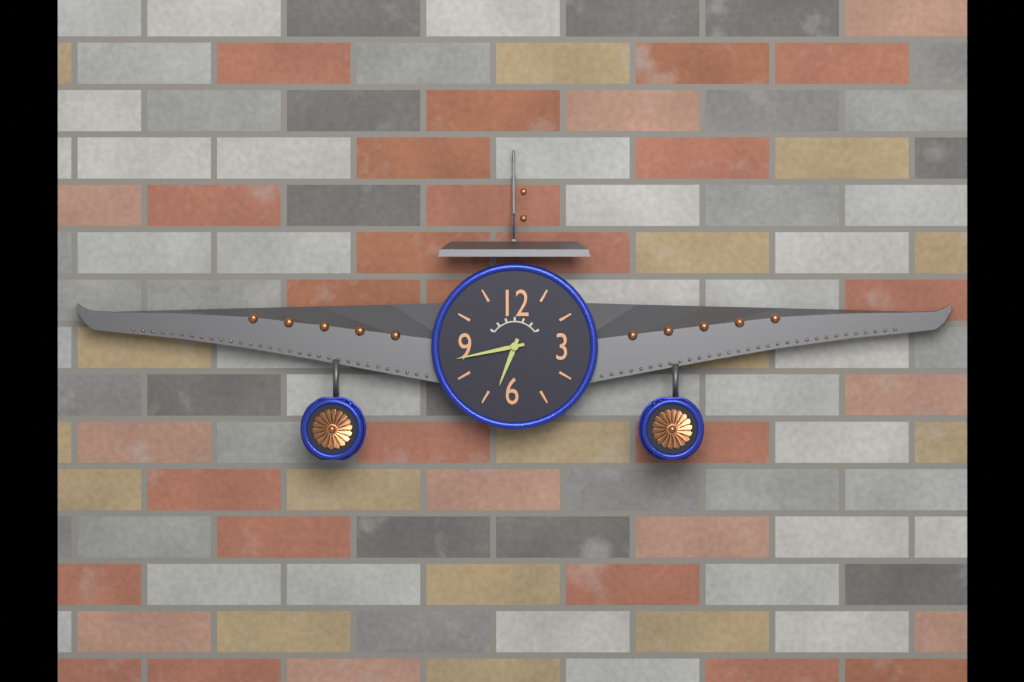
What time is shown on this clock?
6:43
